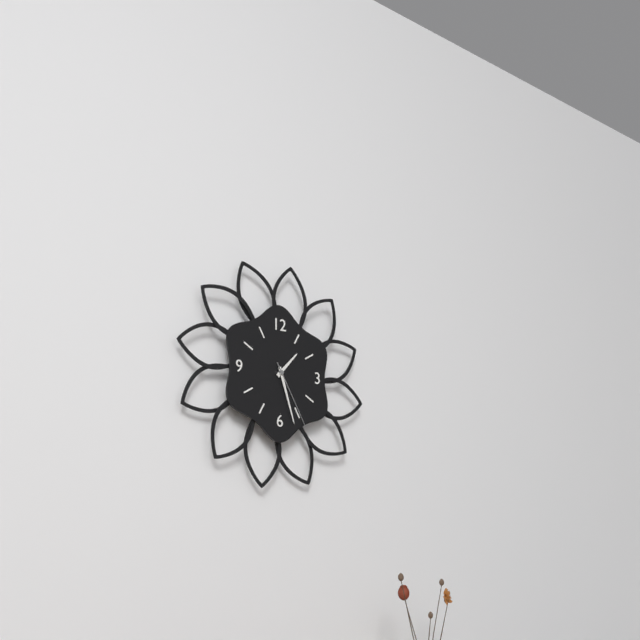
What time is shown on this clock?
1:27:25
